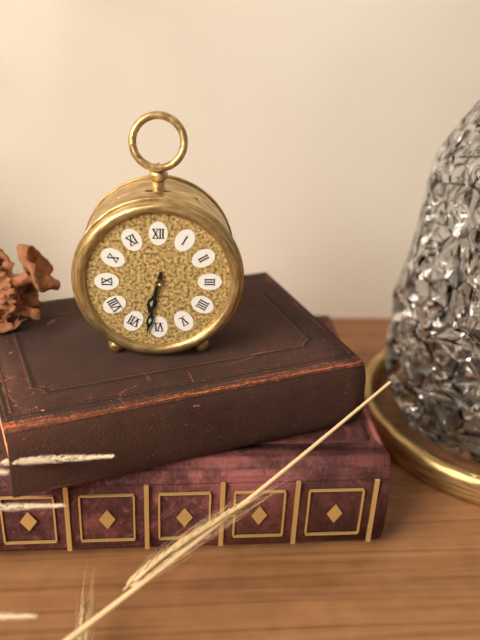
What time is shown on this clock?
6:32
